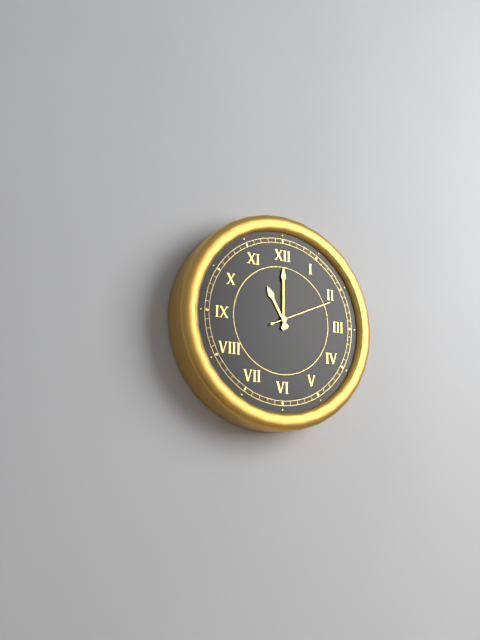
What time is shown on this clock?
11:00:11
